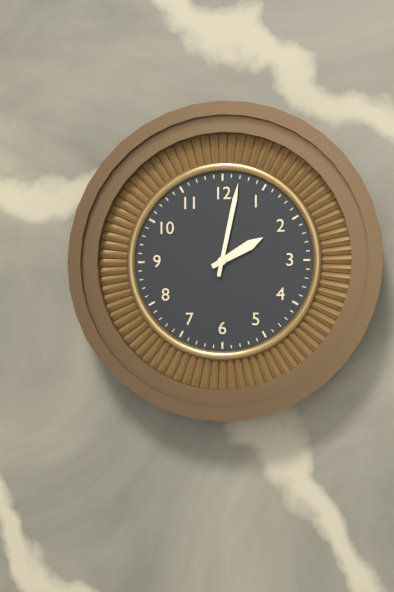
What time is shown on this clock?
2:02
